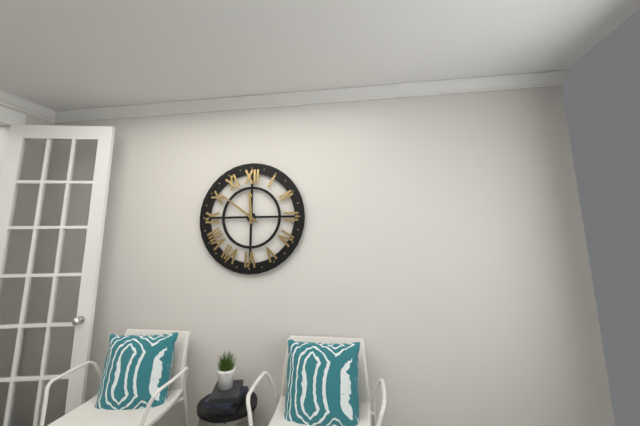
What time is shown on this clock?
11:51
